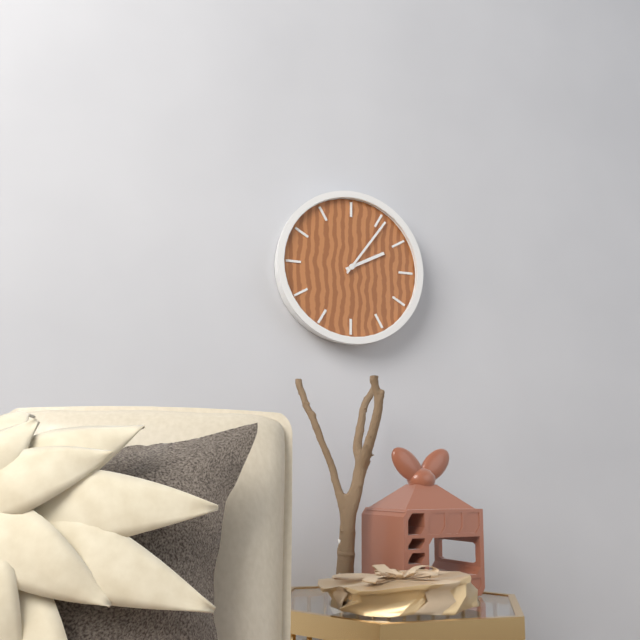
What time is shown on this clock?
2:06
